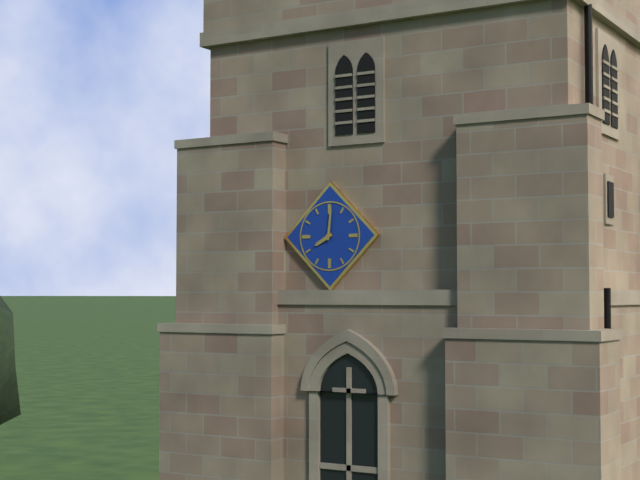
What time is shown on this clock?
8:01
